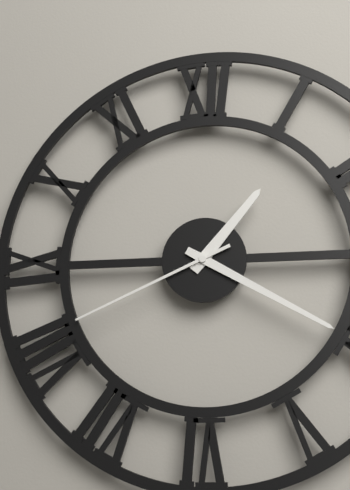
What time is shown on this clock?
1:20:41
